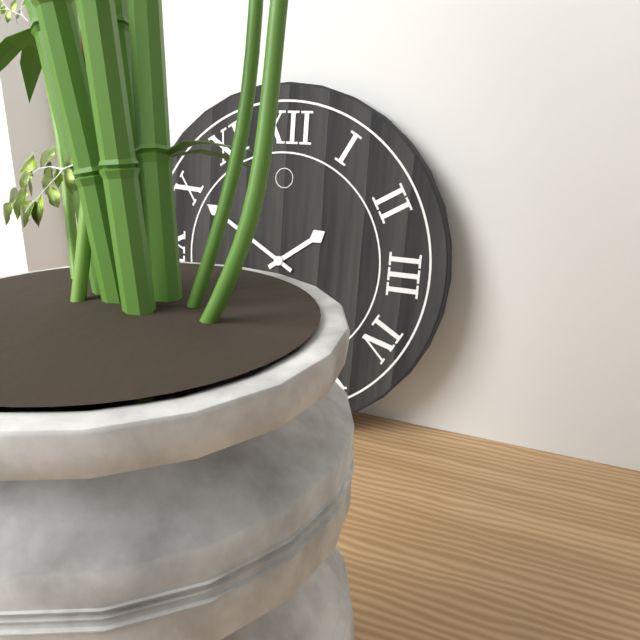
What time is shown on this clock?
1:50
